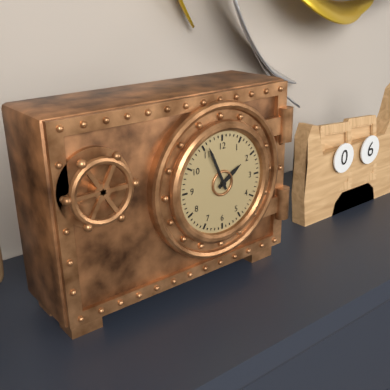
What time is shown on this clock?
1:56
